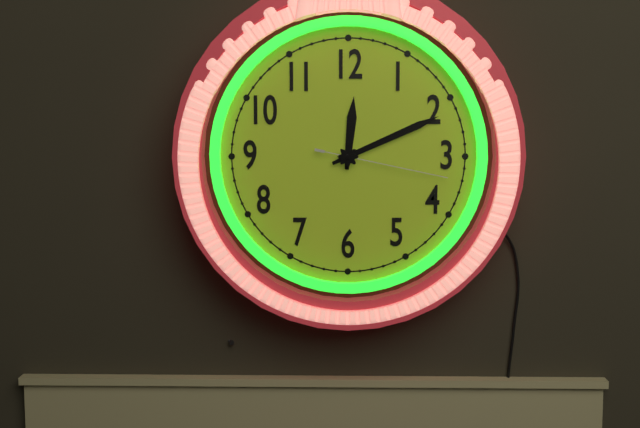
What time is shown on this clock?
12:11:17
